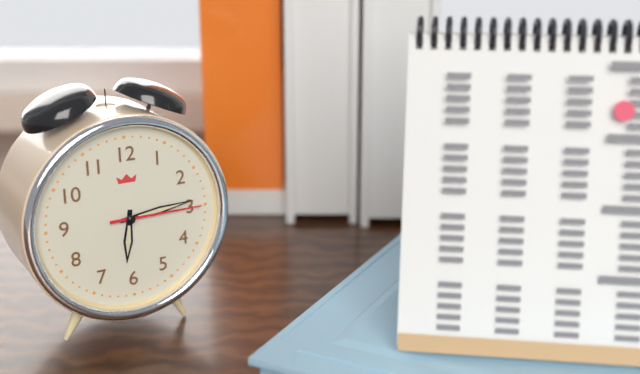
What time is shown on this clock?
6:14:15
